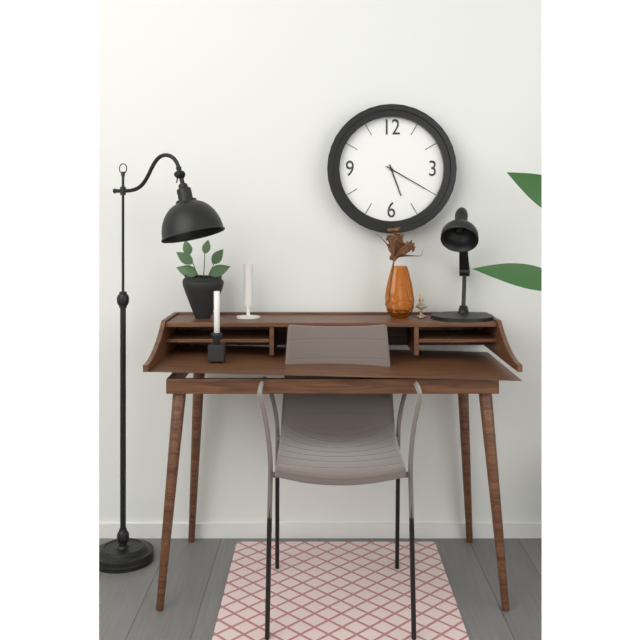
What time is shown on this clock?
5:20
